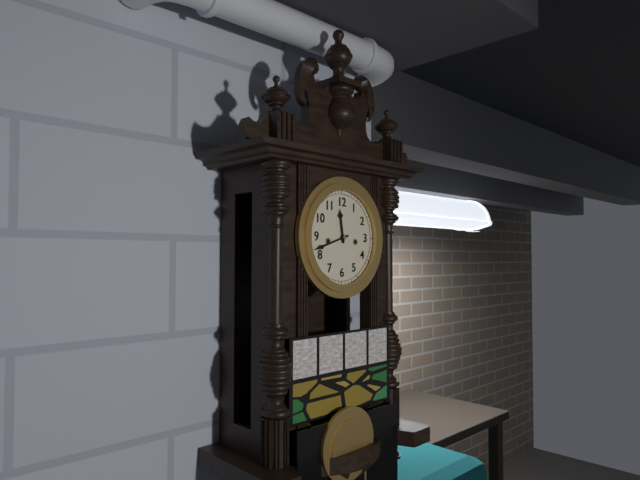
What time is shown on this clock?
11:42
